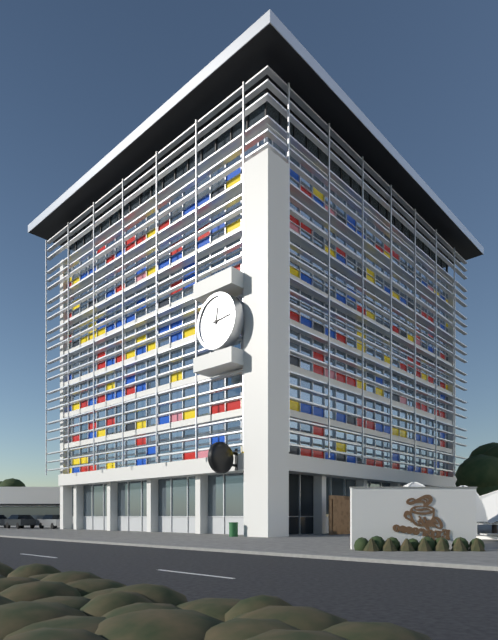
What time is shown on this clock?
12:14
